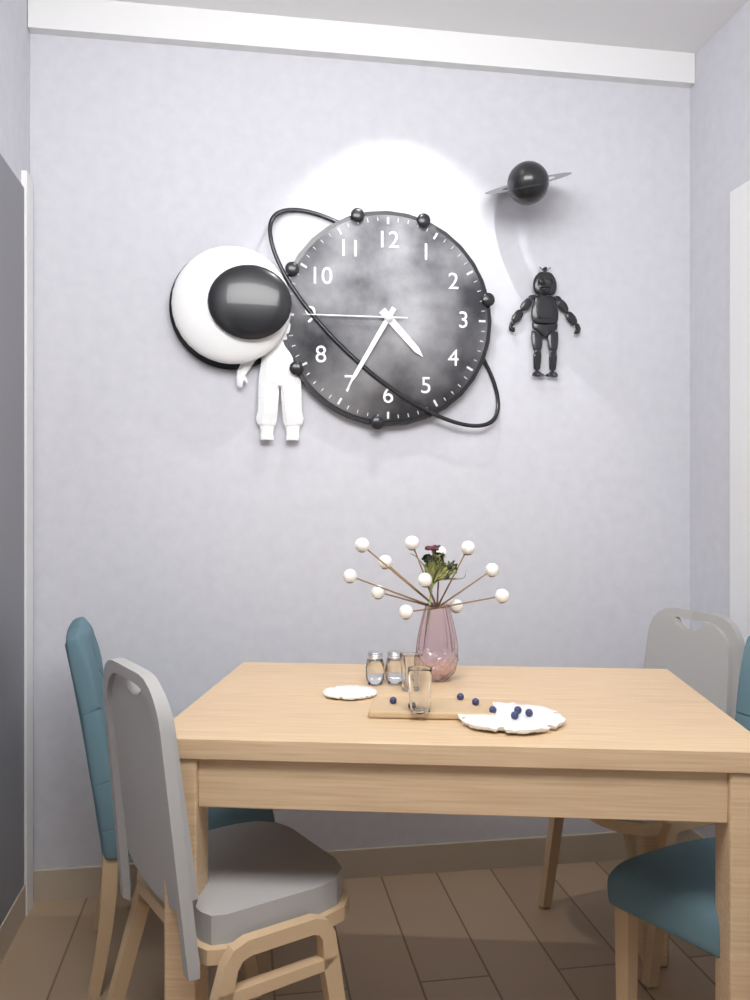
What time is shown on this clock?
4:35:45
